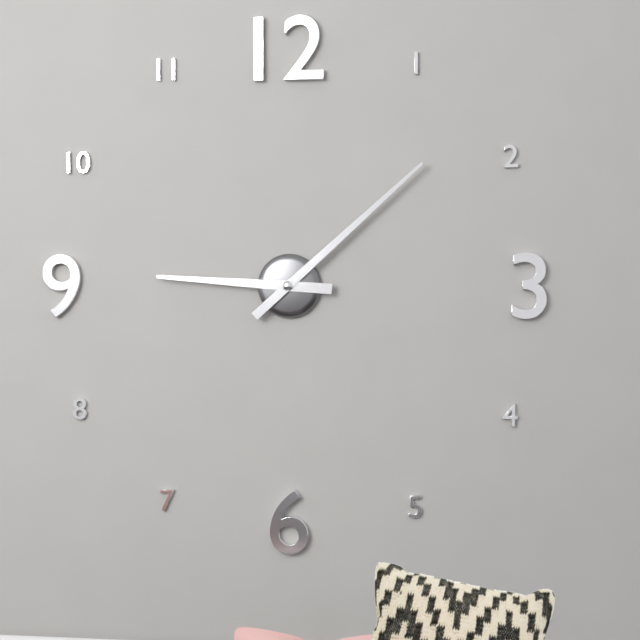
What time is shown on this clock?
9:08
